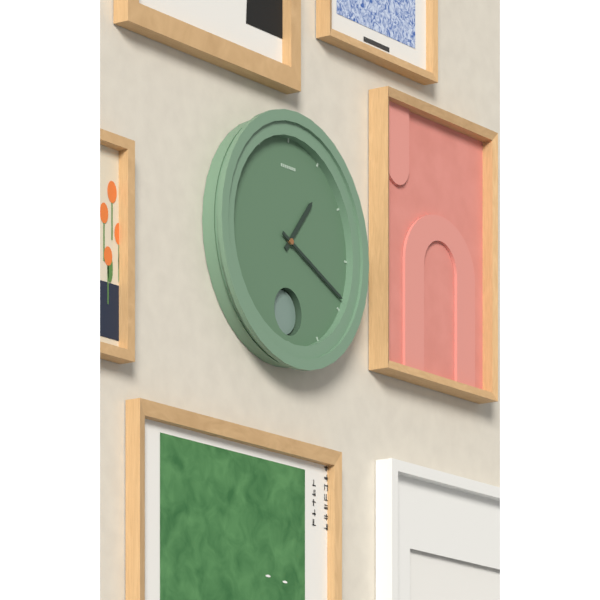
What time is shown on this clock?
1:19
